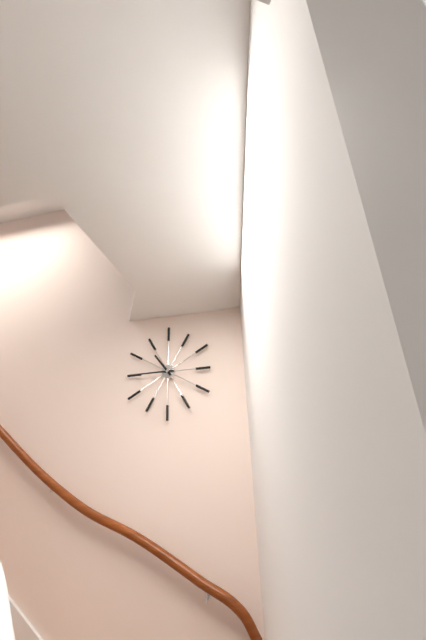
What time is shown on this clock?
10:45
